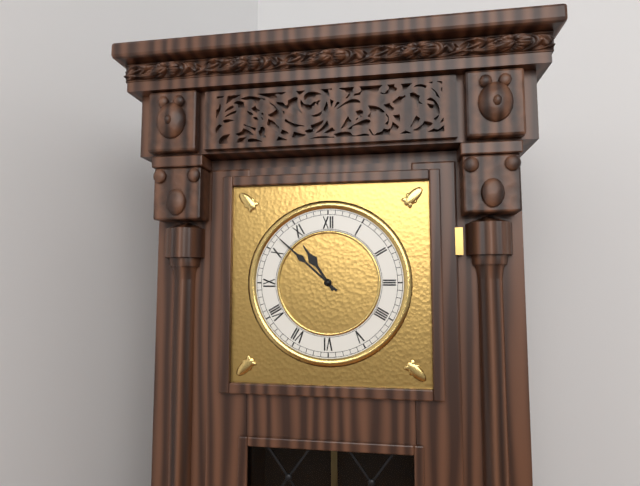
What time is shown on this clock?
10:52
